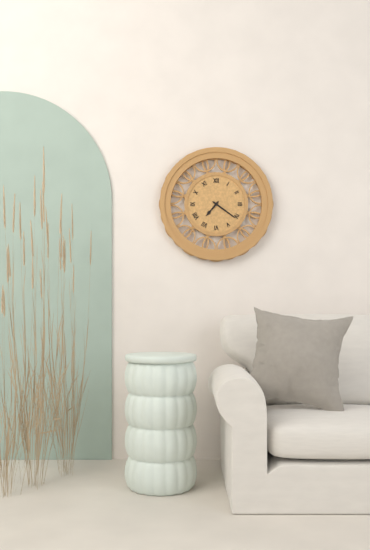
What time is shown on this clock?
7:21
